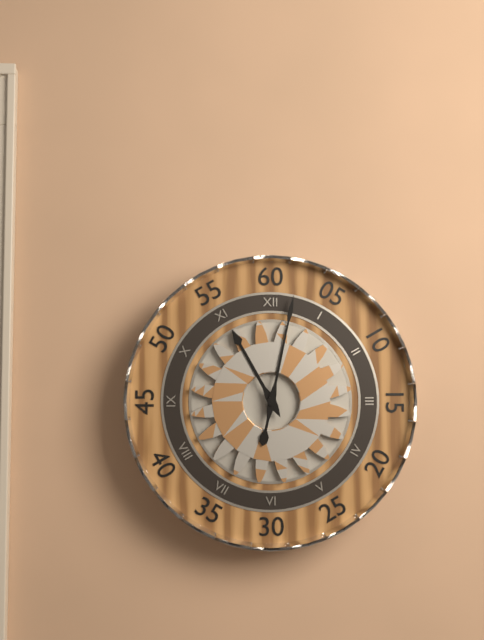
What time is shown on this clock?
11:02
